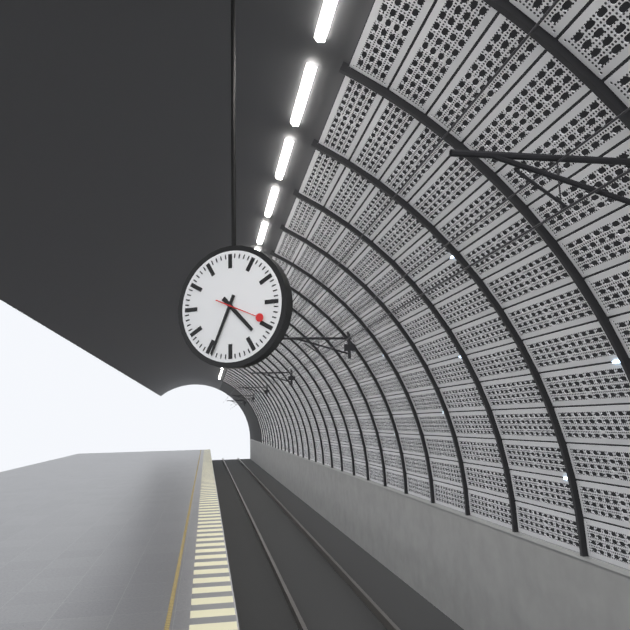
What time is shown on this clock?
4:34
